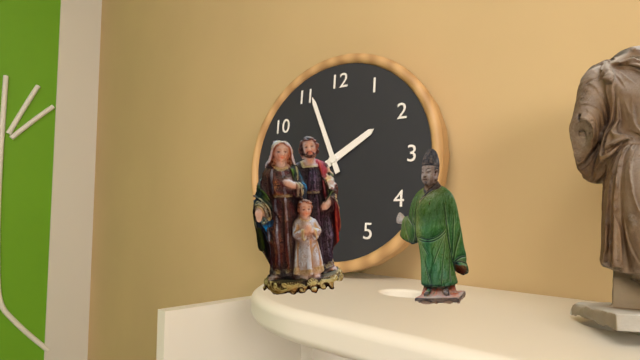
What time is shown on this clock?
1:56
